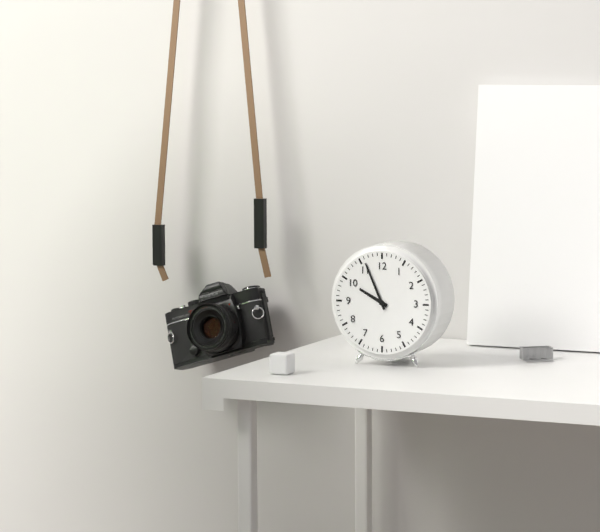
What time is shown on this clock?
9:56
